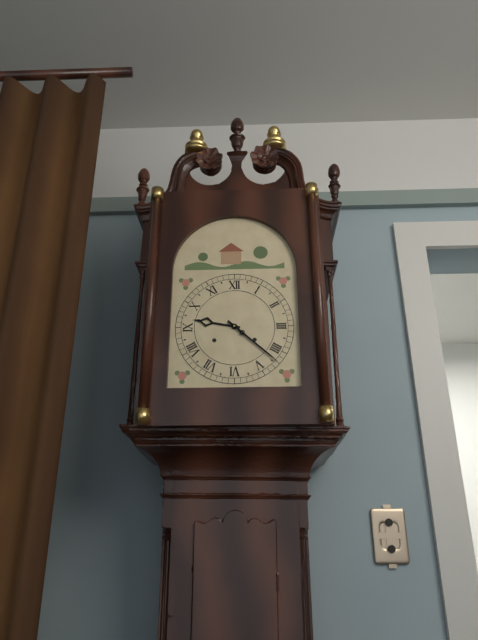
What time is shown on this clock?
9:22
